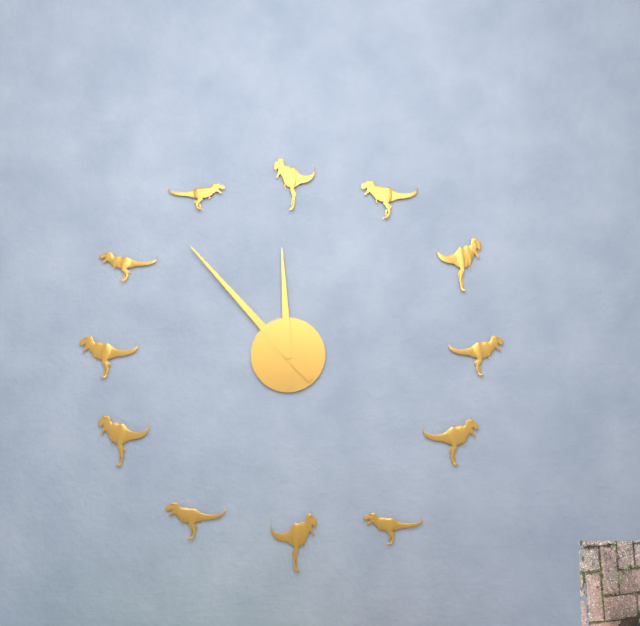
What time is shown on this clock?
11:53
